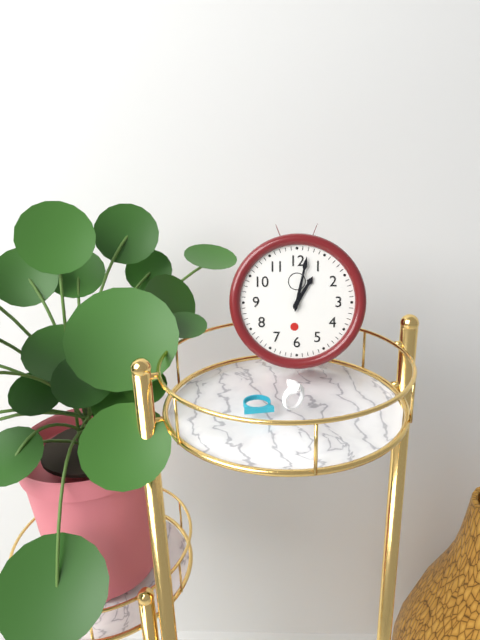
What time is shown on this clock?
1:02
